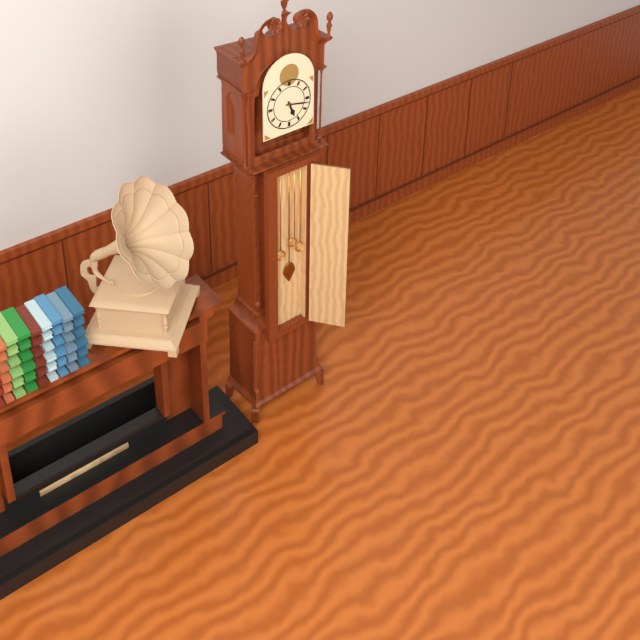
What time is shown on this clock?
5:17
